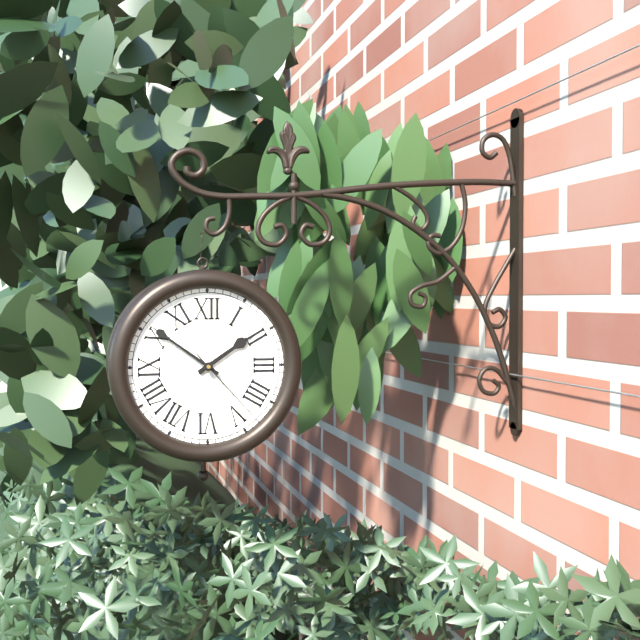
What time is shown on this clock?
1:51:23
